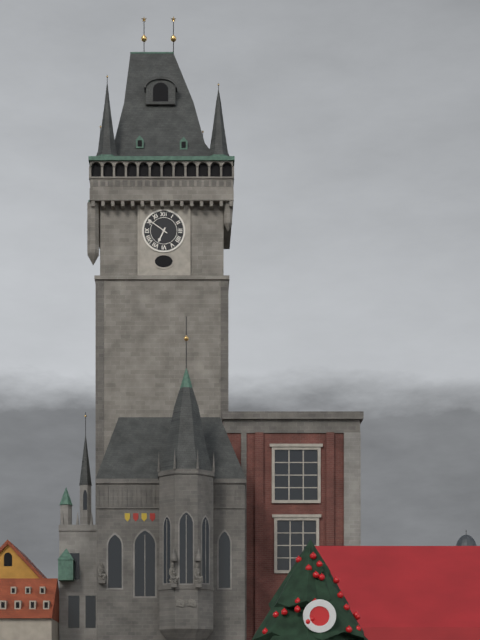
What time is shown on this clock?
6:51
